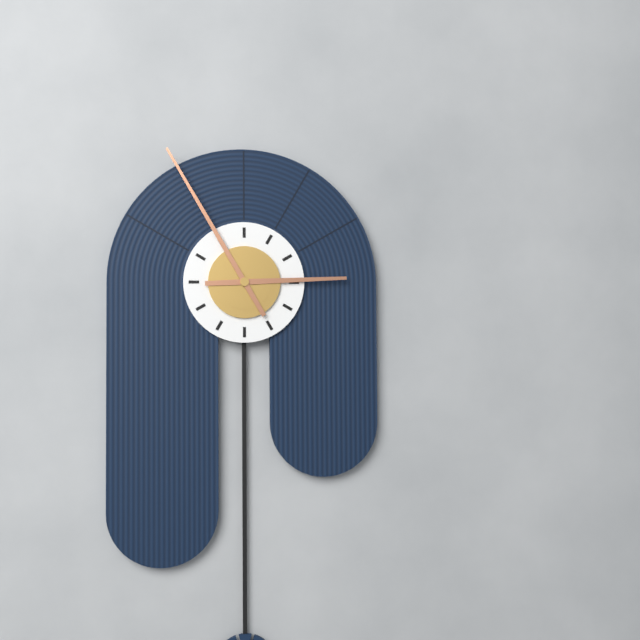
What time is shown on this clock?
2:55
